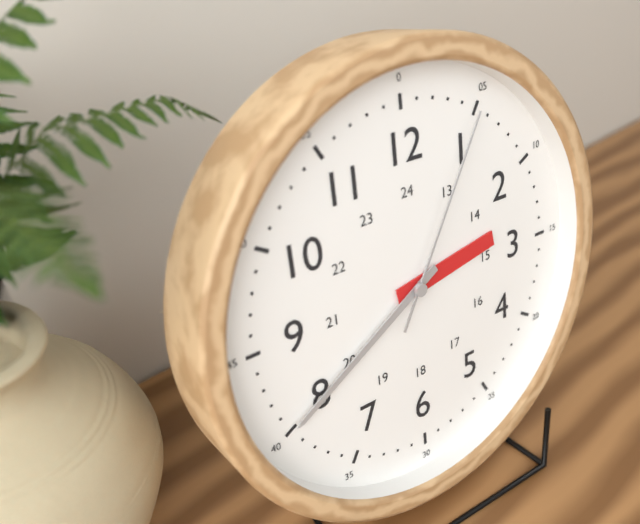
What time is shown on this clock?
2:40:05
